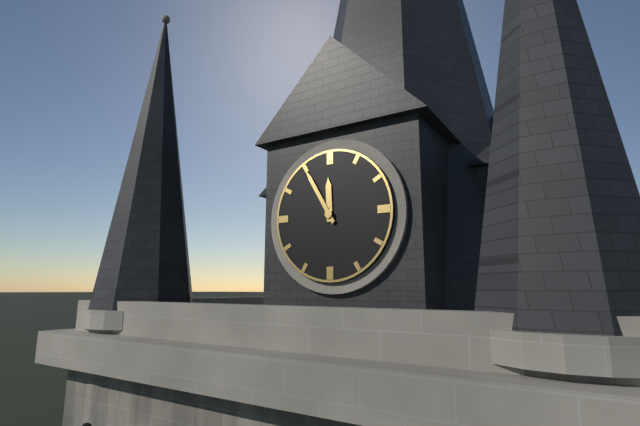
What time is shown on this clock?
11:55
